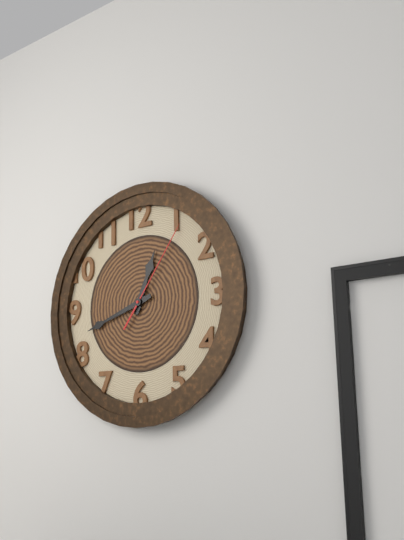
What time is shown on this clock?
12:42:06
